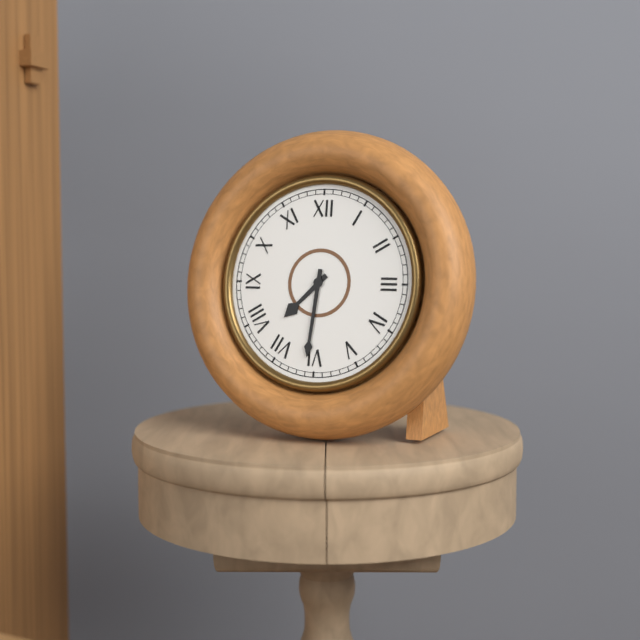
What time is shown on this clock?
7:31
